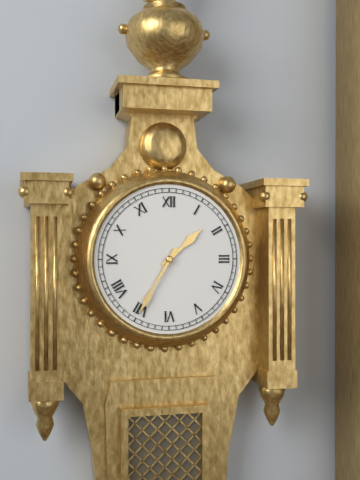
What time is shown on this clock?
1:35
